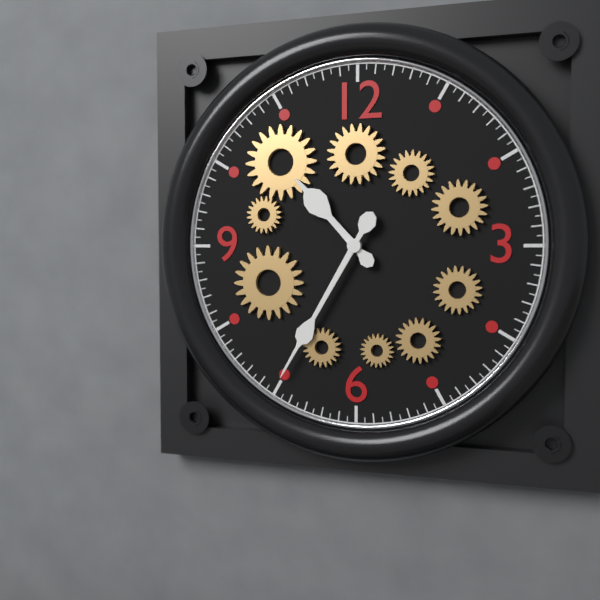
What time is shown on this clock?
10:35
